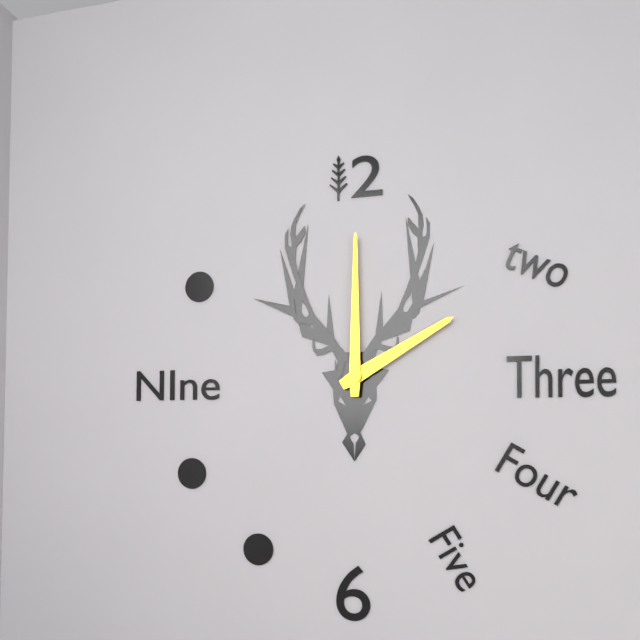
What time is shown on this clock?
2:00
